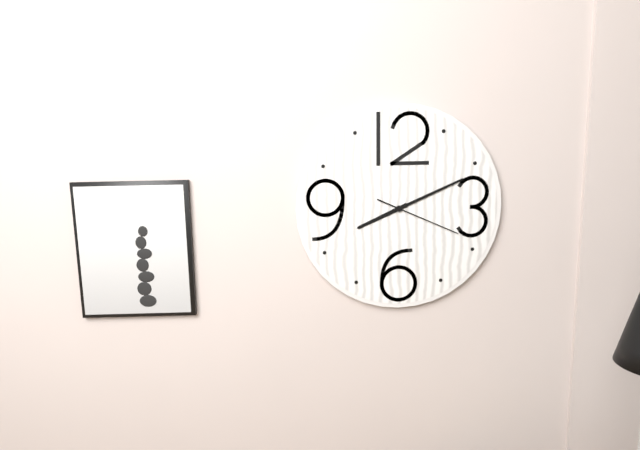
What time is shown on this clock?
8:11:19
